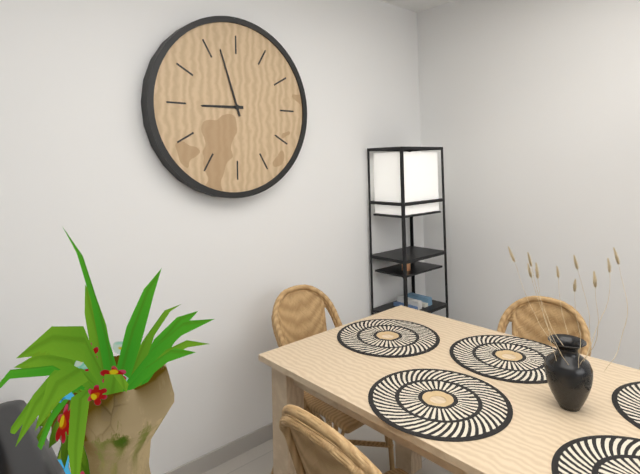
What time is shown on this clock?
8:57
